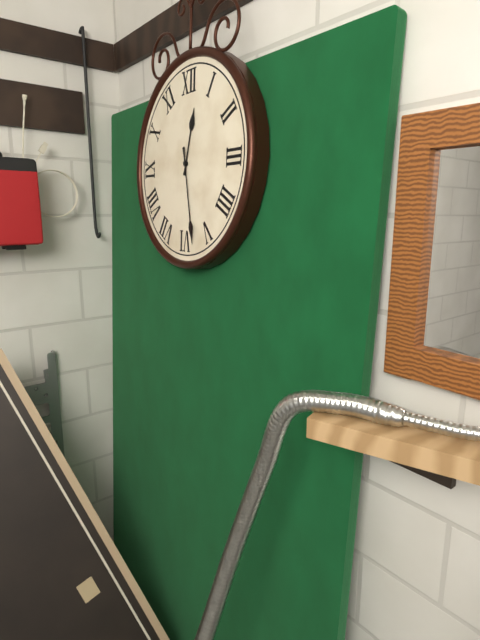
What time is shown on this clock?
12:28
